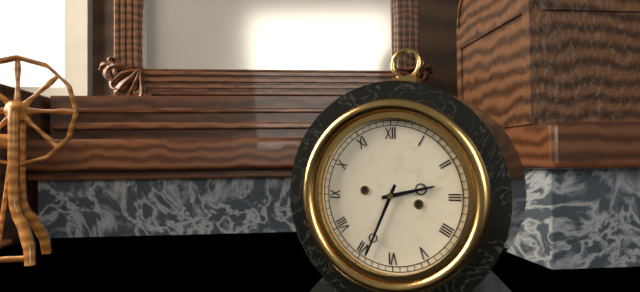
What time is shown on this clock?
2:34
